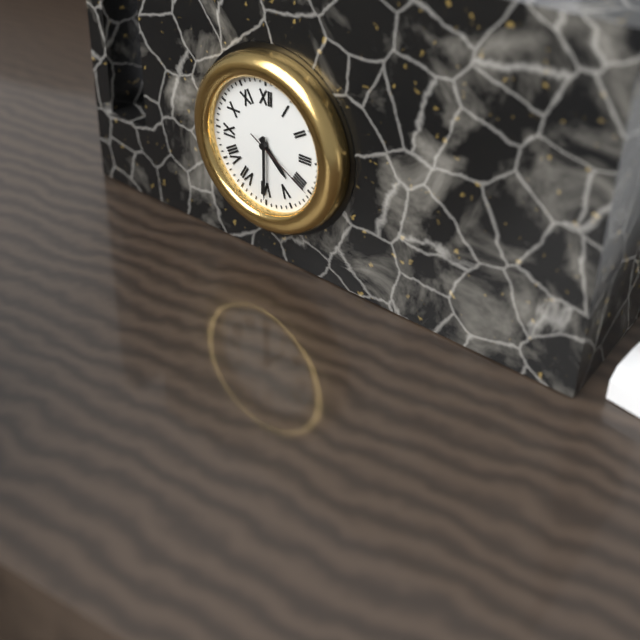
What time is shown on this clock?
4:30:20
